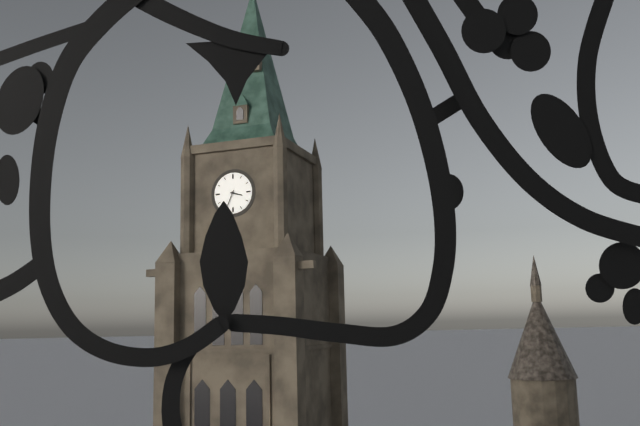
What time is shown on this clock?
3:34
